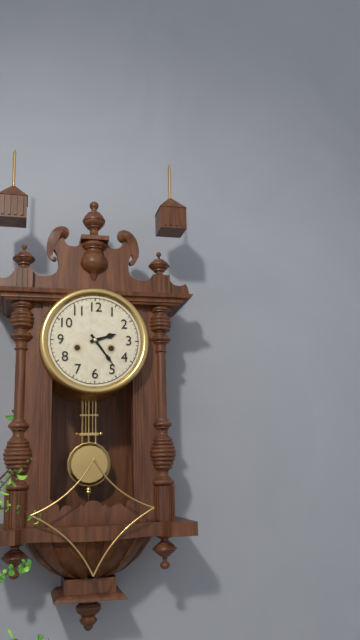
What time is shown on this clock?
2:24
